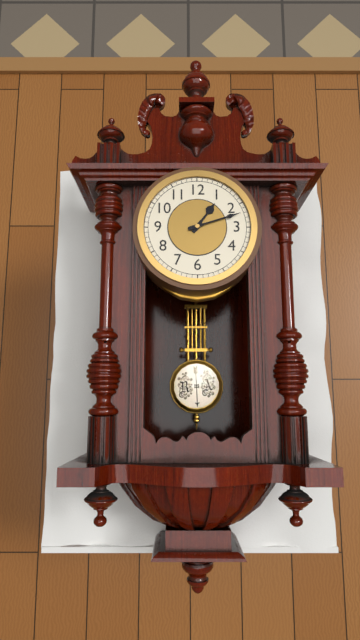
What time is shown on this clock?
1:12
